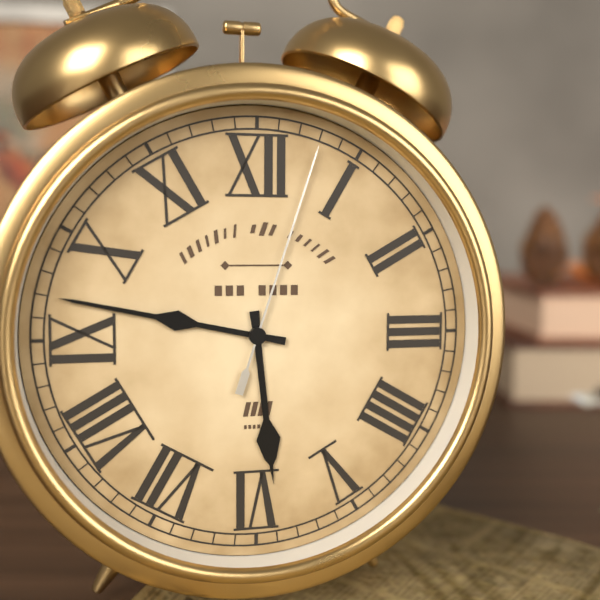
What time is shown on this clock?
5:47:03
